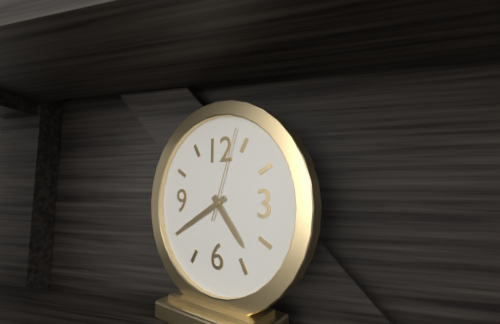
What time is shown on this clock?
4:40:03
